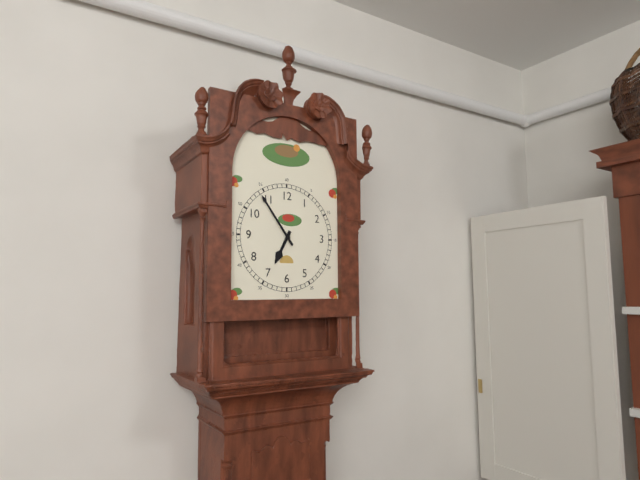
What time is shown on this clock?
6:54
